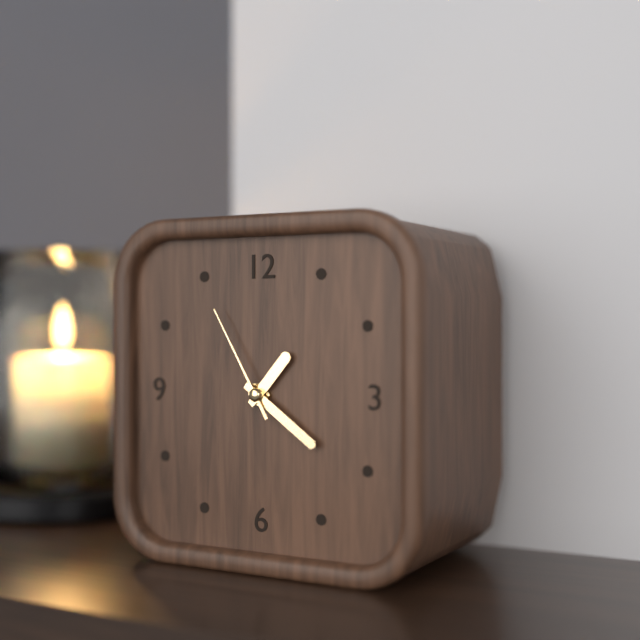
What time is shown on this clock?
1:21:55
